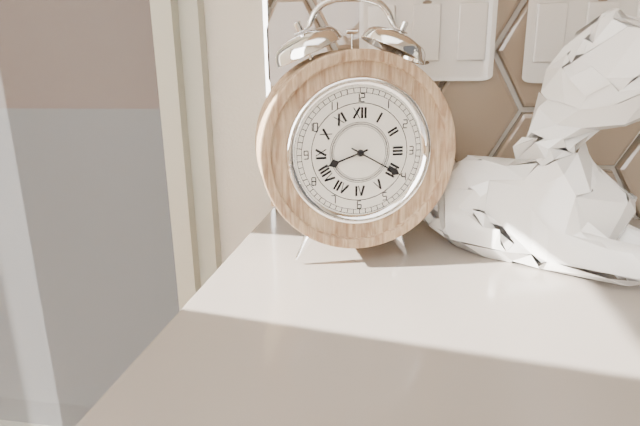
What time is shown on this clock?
8:20
